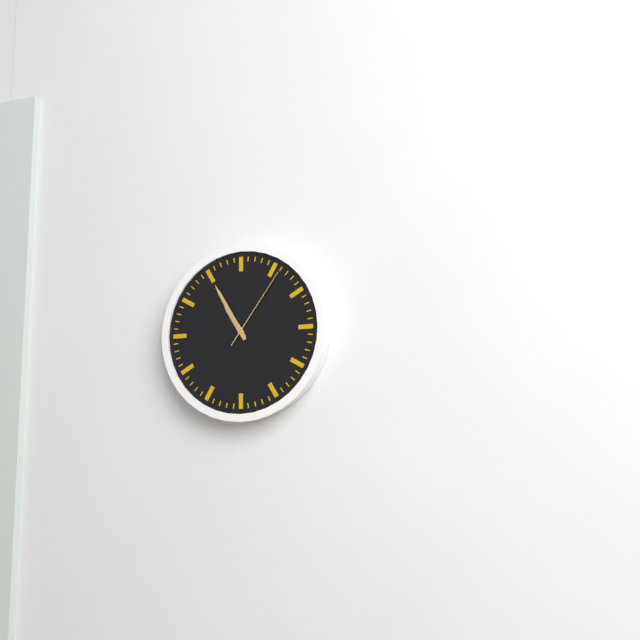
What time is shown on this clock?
10:55:06
